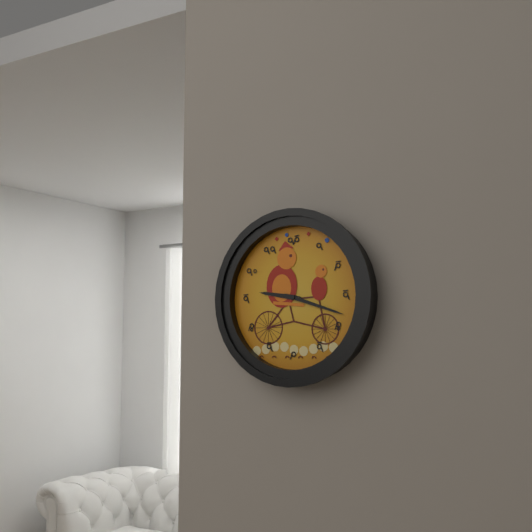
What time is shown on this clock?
9:18
